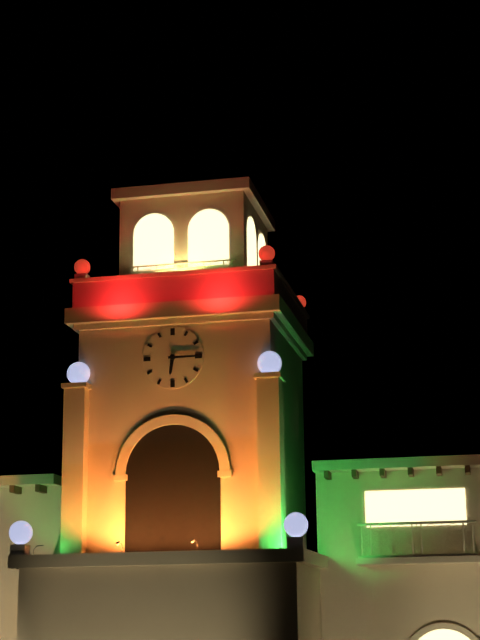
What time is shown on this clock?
6:15
